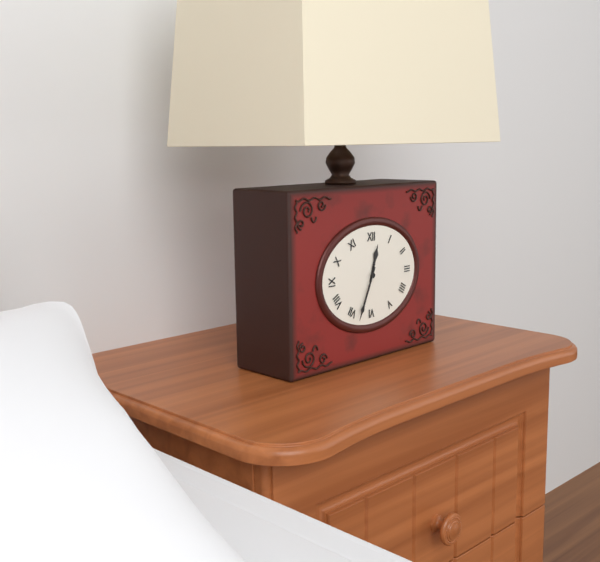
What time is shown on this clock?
12:34
